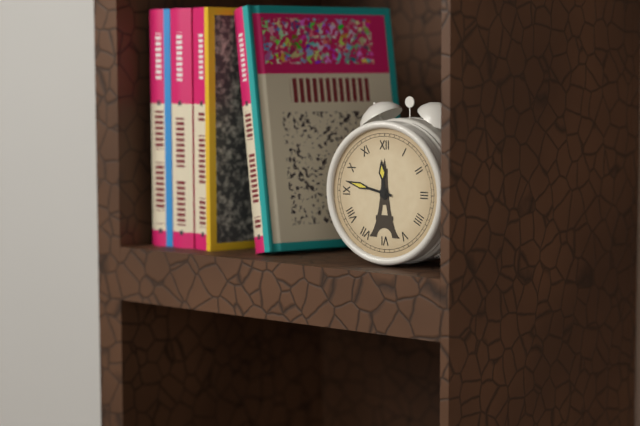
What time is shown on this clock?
11:47
